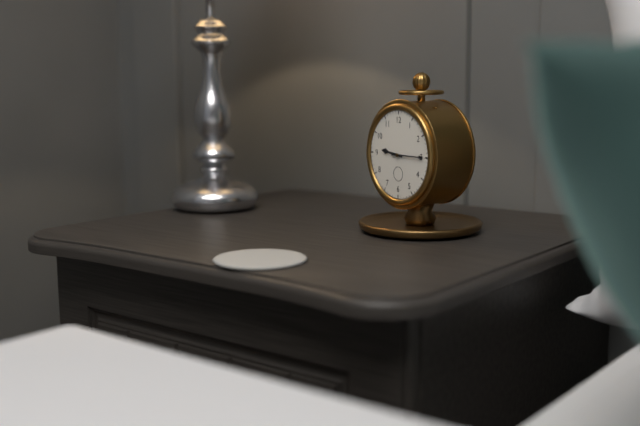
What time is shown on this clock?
9:15
